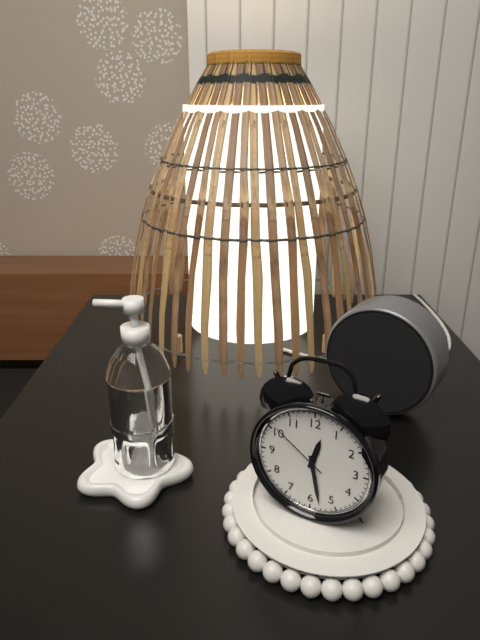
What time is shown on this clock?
12:28:51
